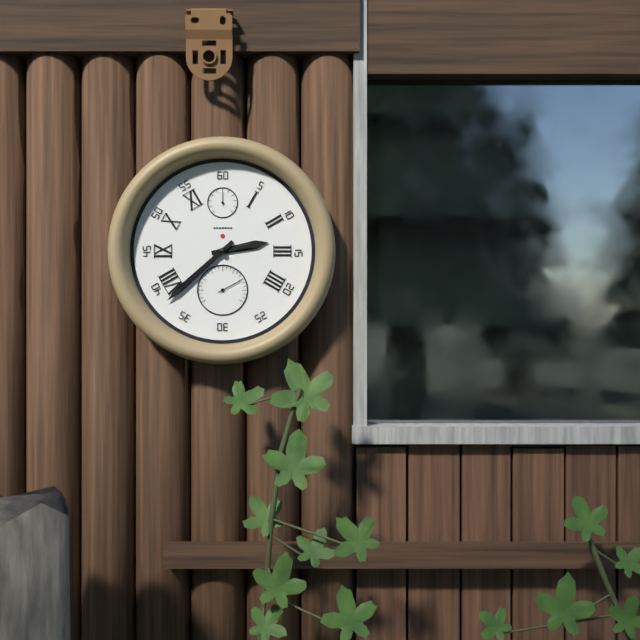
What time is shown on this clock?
2:38
